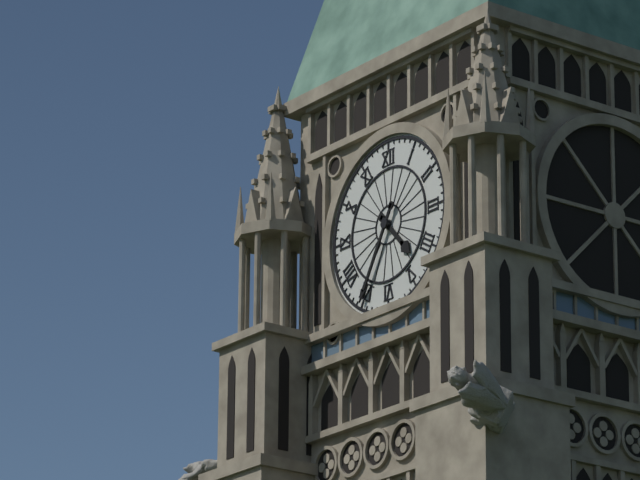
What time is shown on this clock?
4:35
